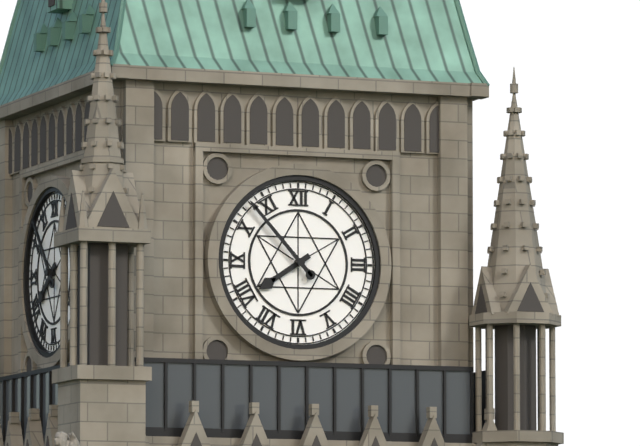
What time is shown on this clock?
7:53
